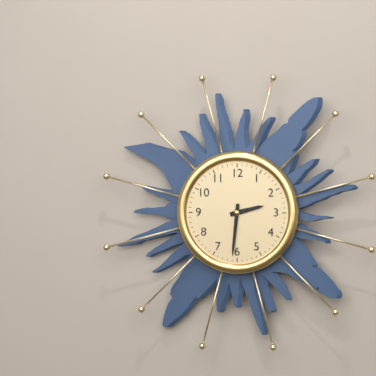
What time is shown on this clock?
2:31
